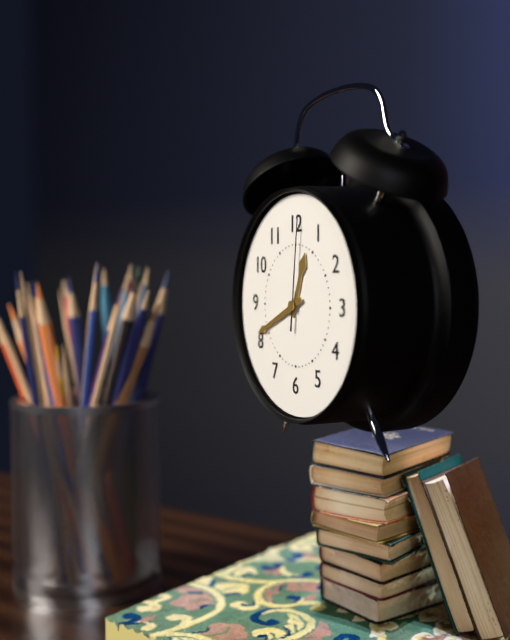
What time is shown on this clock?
12:41:01
